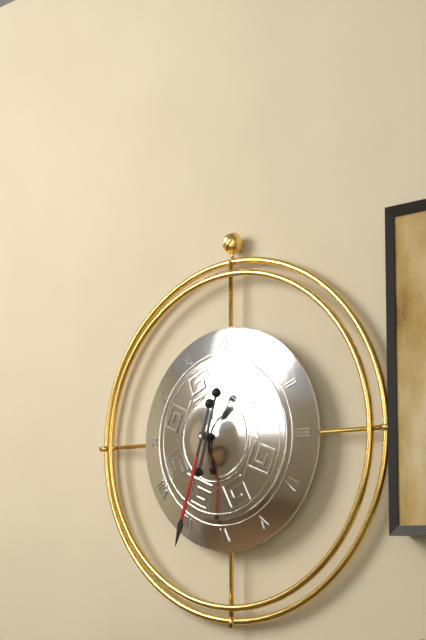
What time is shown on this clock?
12:33
